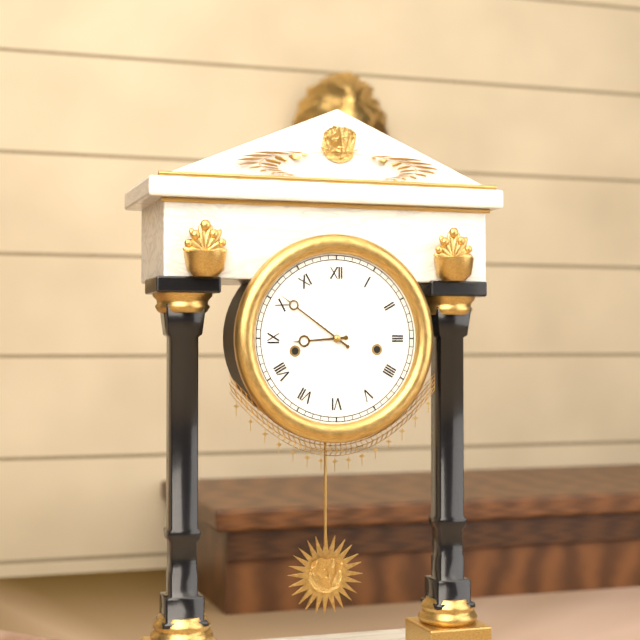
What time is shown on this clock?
8:51
